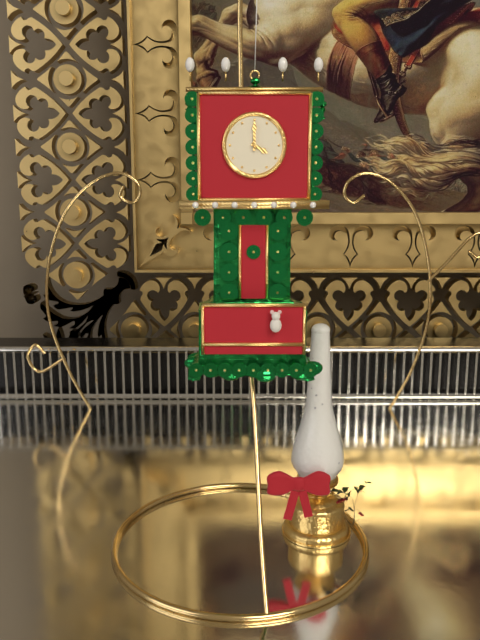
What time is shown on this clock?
4:00
